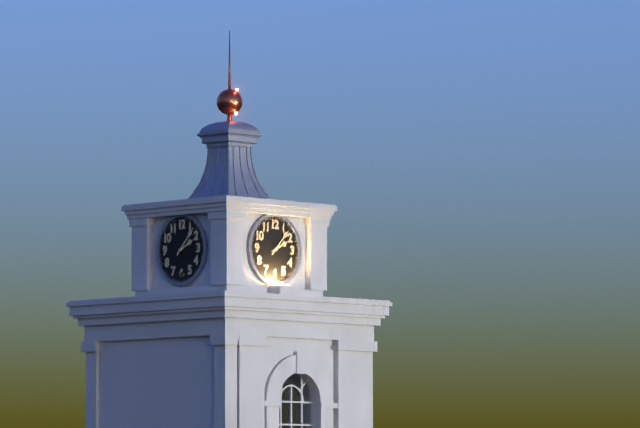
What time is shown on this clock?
2:07
